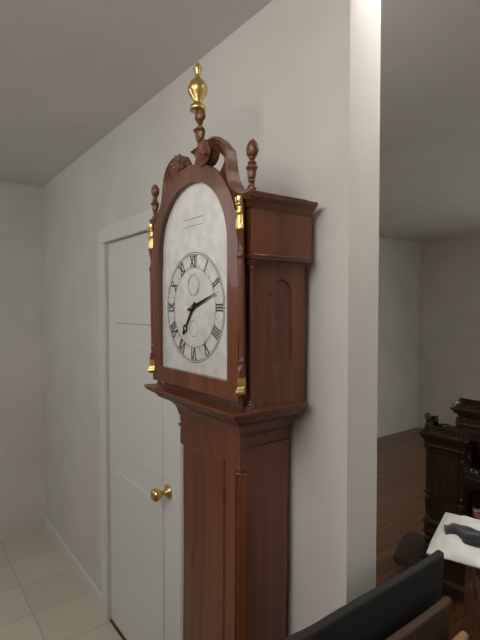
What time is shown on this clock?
7:12
